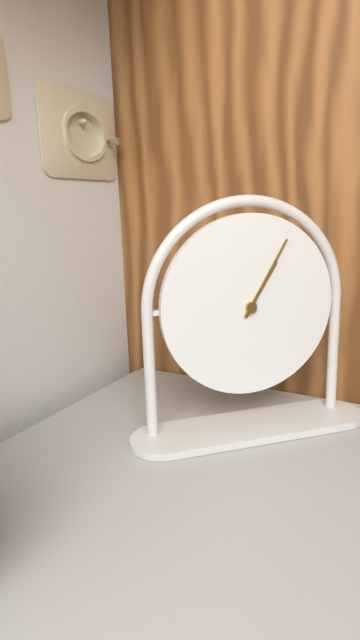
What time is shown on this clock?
1:05
